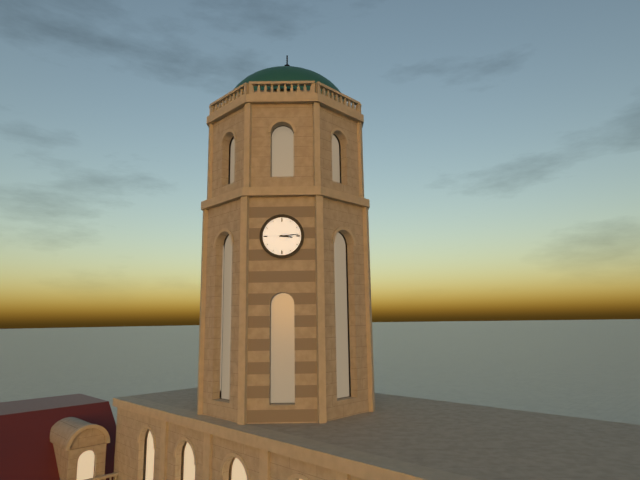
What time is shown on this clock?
3:14
